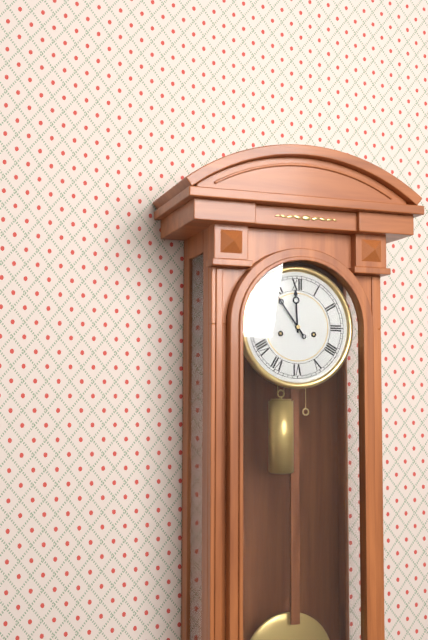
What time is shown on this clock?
11:54
